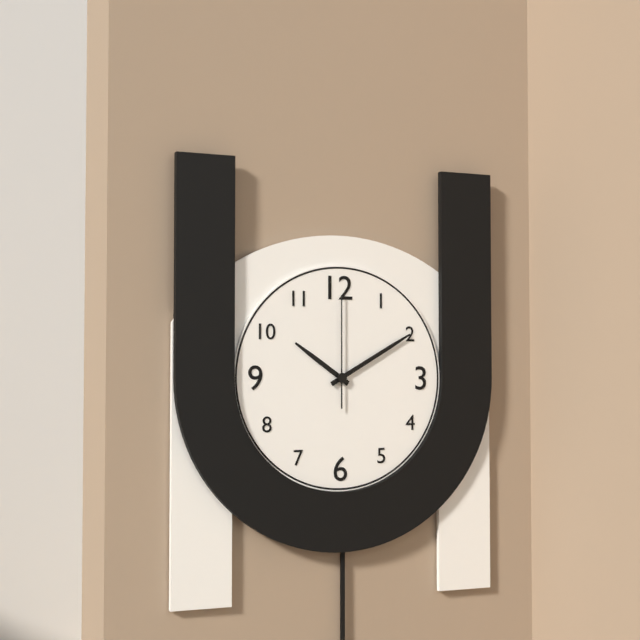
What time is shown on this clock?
10:10:00
